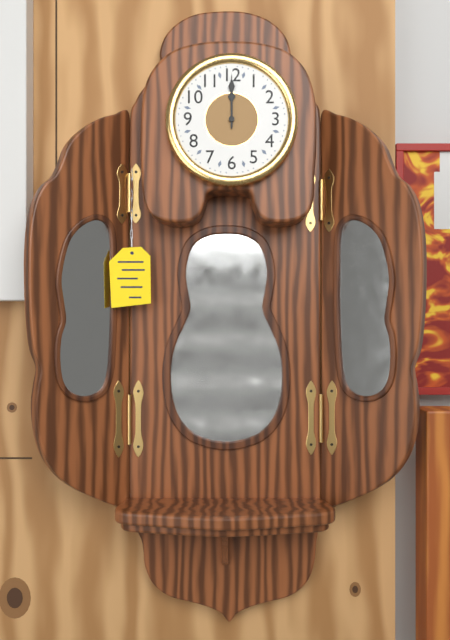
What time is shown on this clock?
12:00
